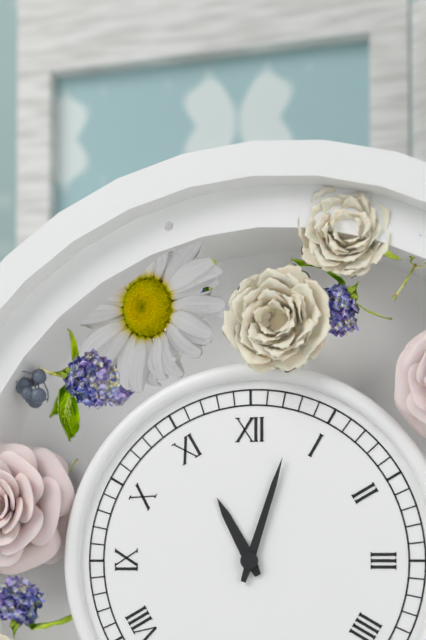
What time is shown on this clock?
11:03
